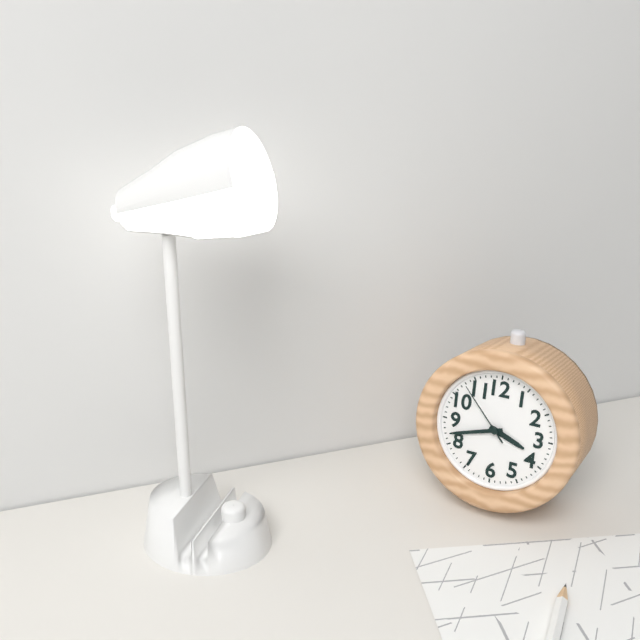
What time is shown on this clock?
3:42:53
